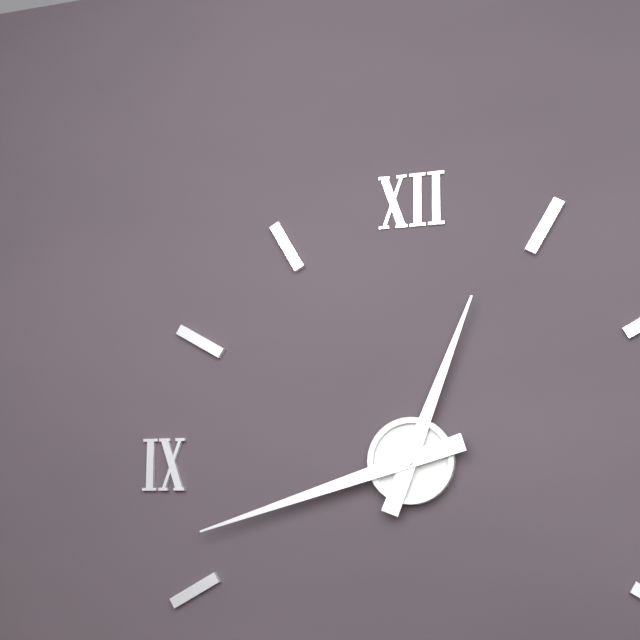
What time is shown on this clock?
12:42
